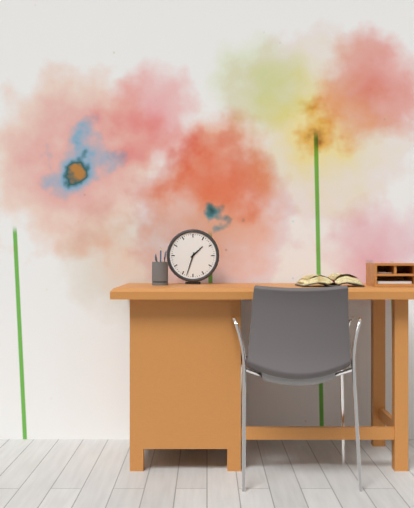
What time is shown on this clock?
1:33
